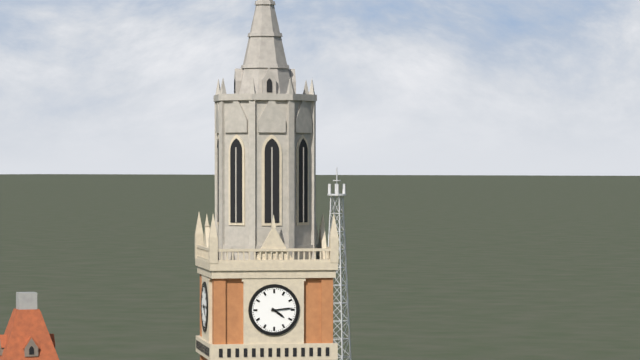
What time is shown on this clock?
4:14
